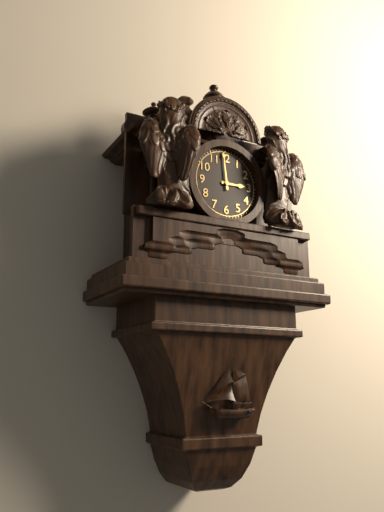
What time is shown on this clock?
2:59
